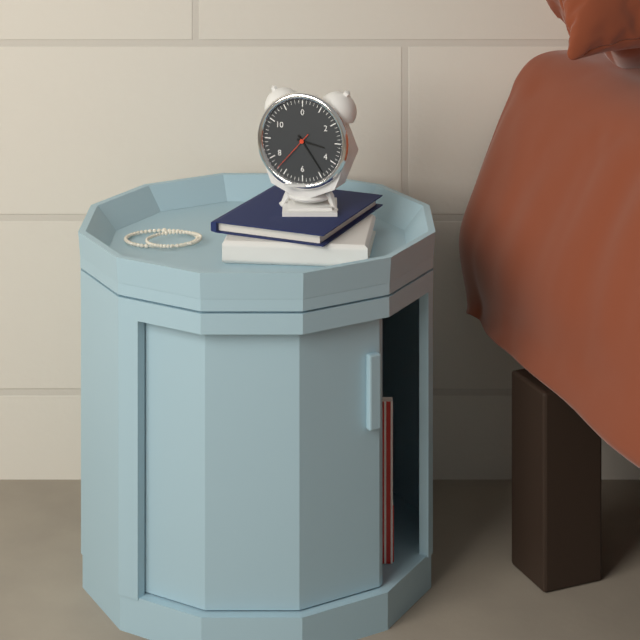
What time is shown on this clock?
3:24
